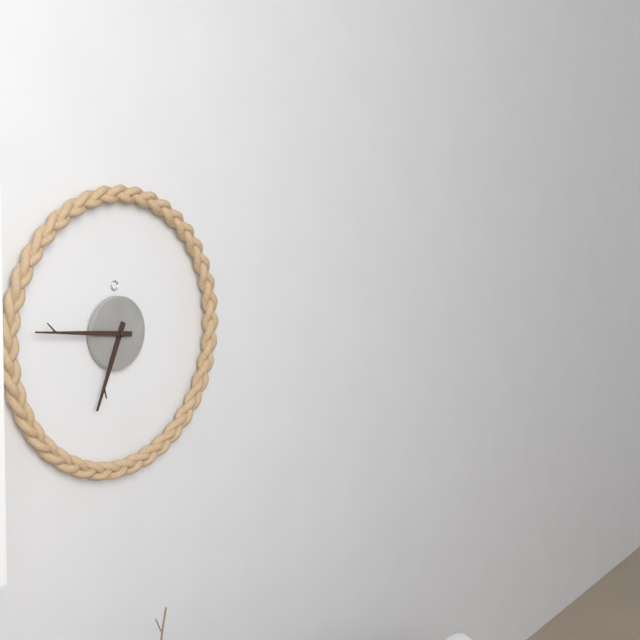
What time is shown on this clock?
6:46
